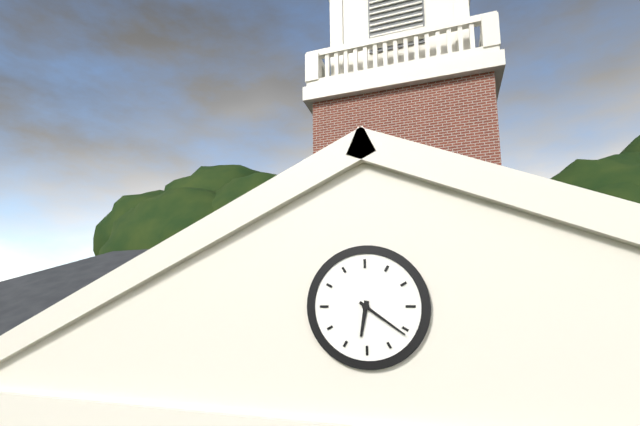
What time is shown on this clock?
6:21
